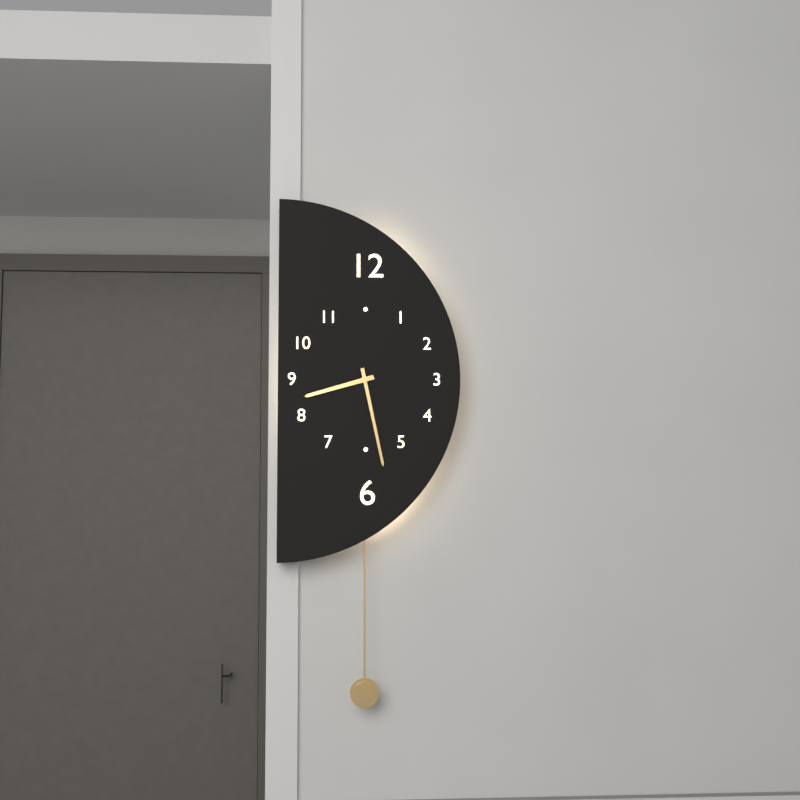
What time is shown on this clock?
8:28
